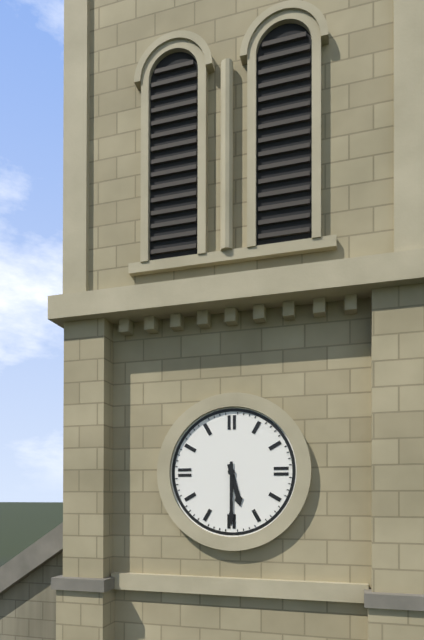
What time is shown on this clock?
5:30
